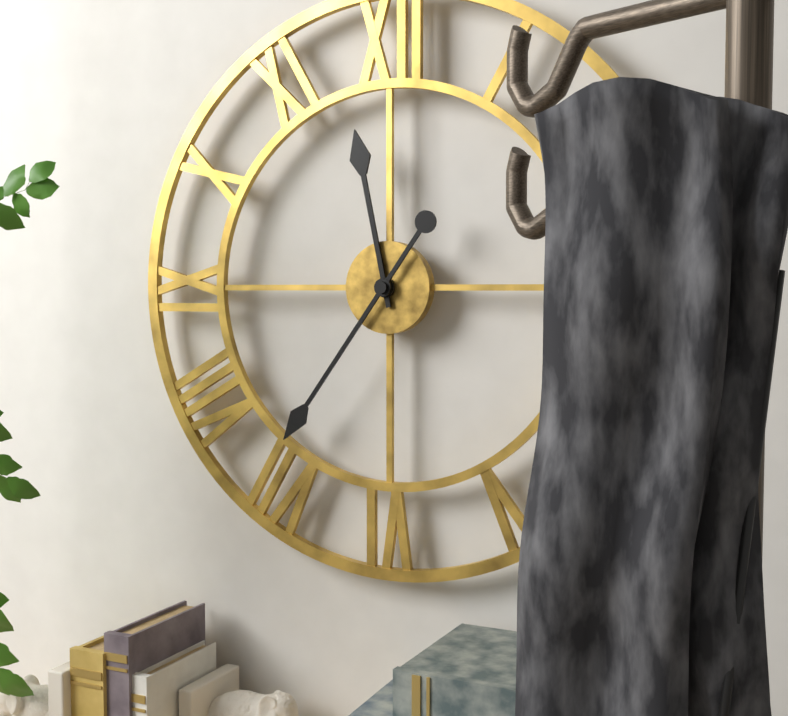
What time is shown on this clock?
11:36
